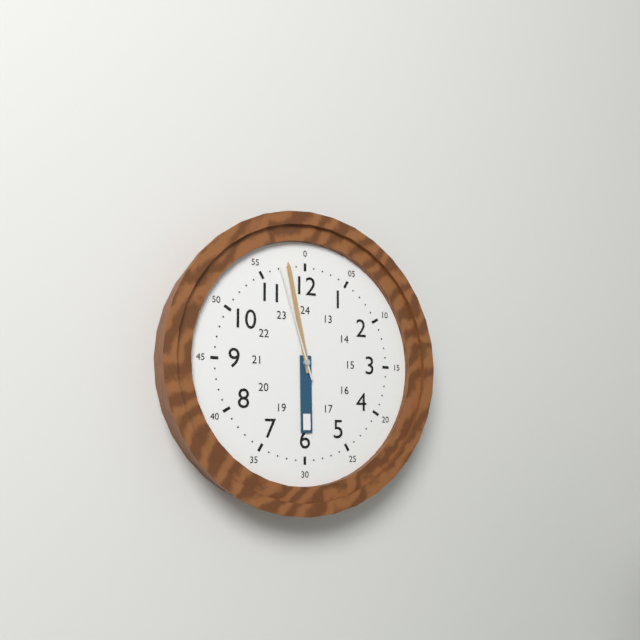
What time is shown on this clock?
5:58:57
